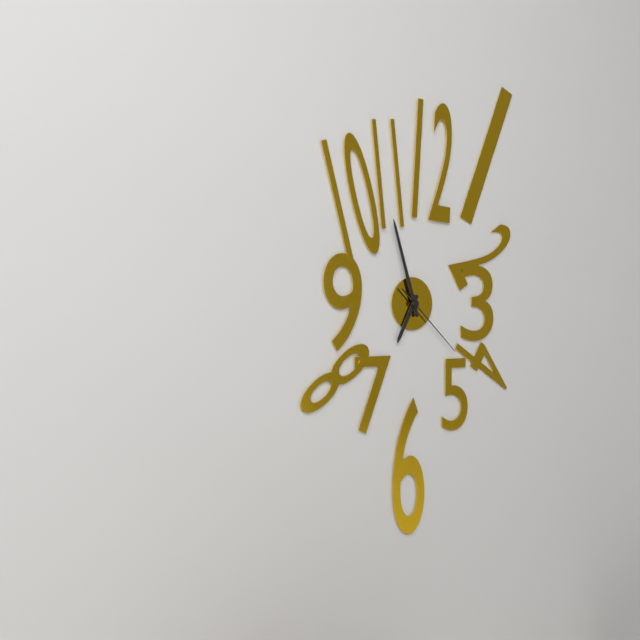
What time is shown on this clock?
6:57:22
